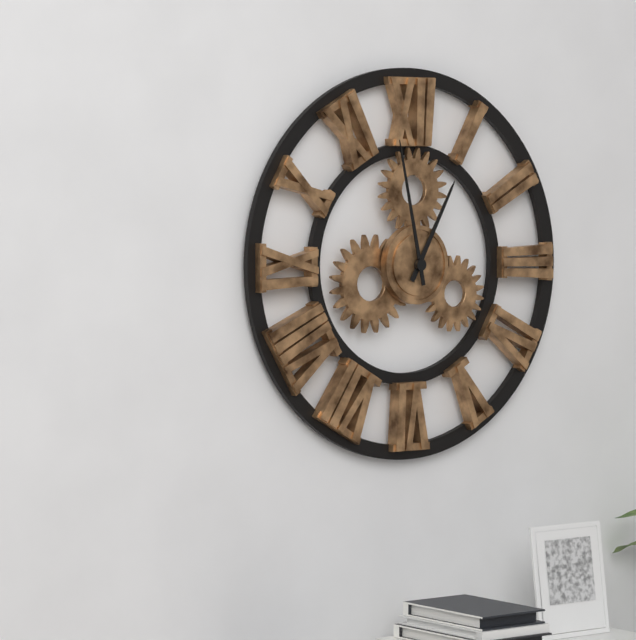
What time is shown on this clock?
12:58
